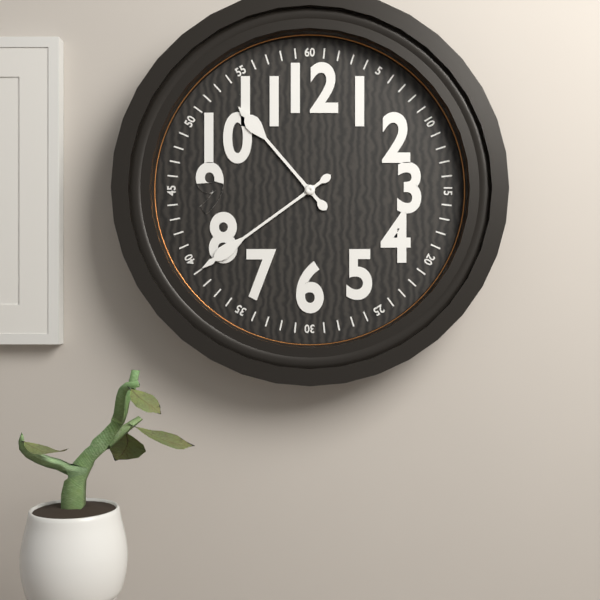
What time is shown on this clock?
10:39
